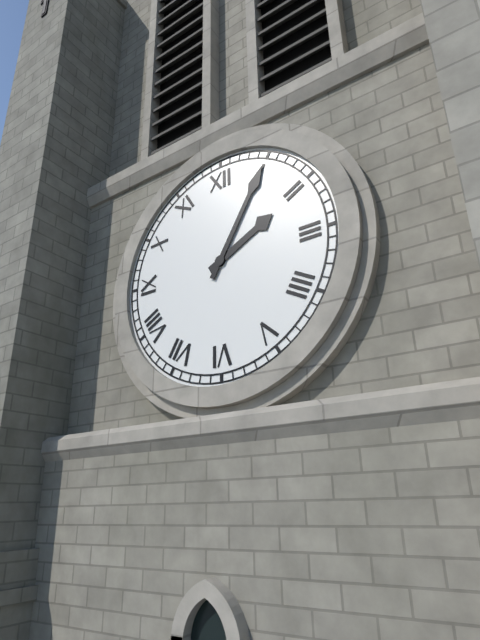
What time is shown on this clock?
2:05
